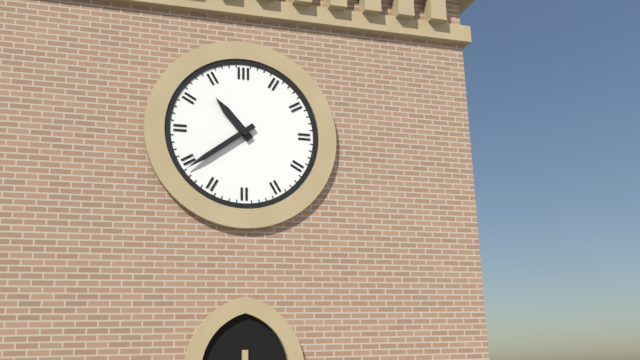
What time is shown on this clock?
10:39
